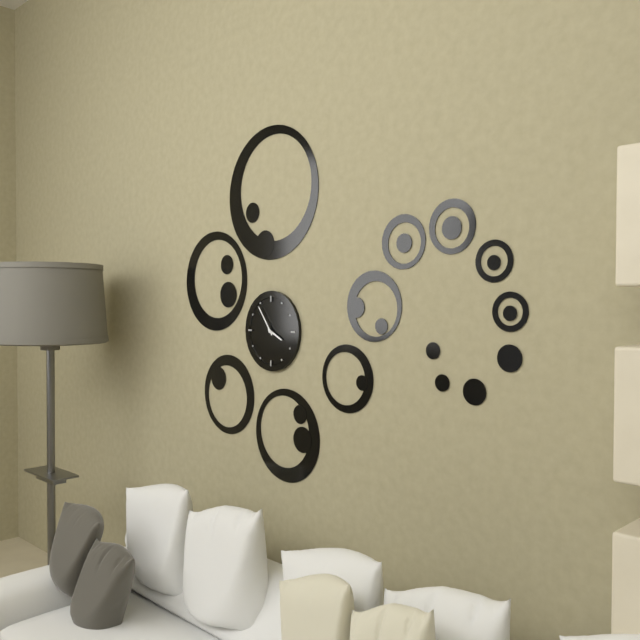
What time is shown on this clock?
3:54
